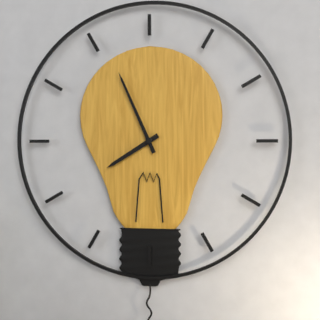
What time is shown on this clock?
7:56
